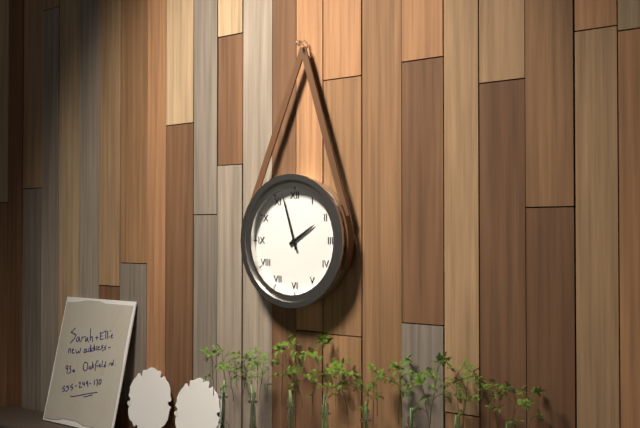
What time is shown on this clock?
1:57
